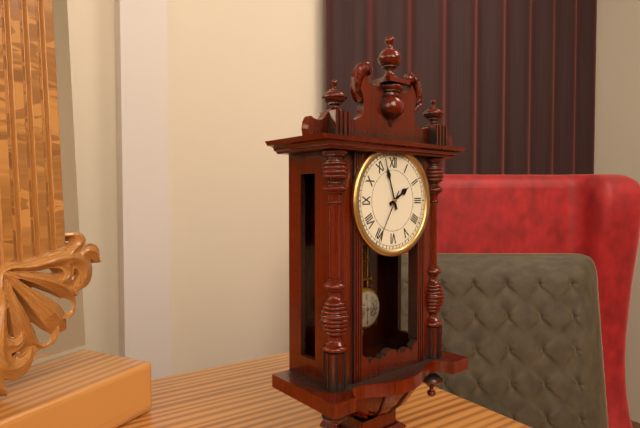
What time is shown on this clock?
1:57:35
